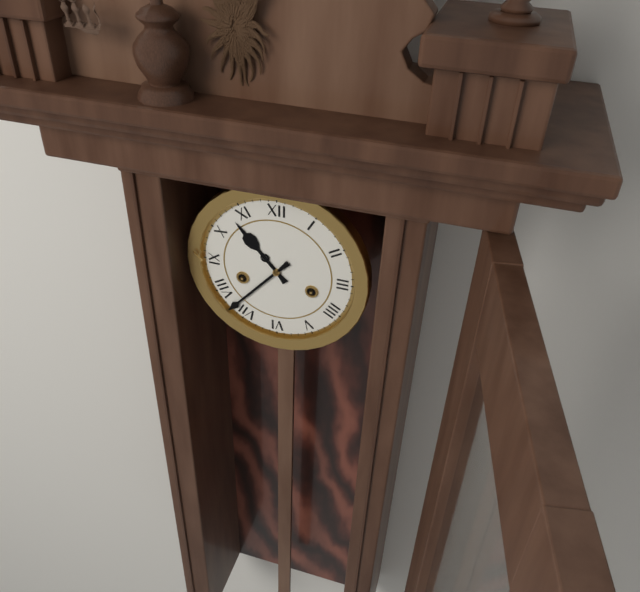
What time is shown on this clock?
10:37
